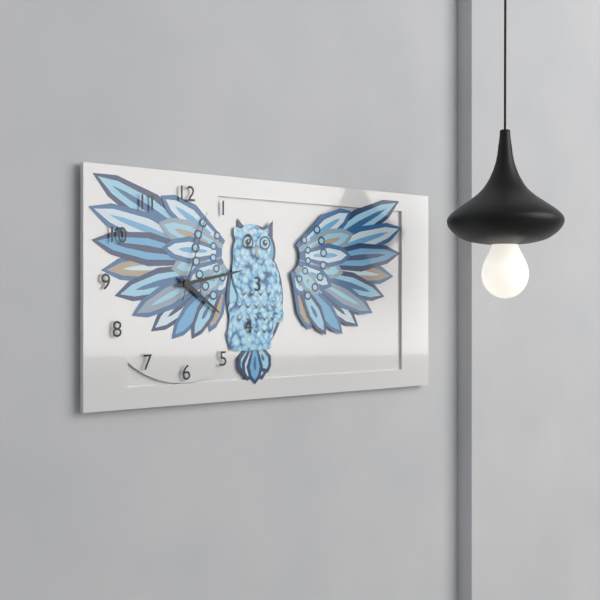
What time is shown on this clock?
4:13:03
